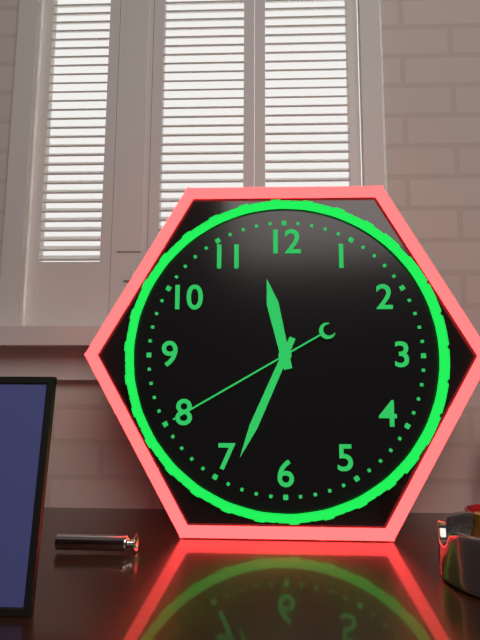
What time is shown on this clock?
11:34:40
